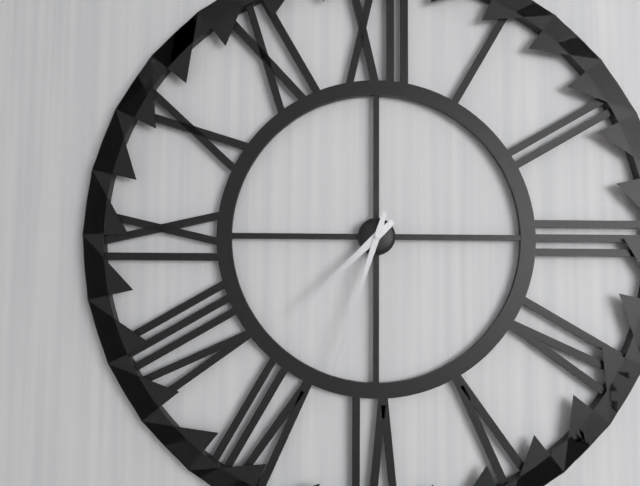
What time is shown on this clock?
7:33
